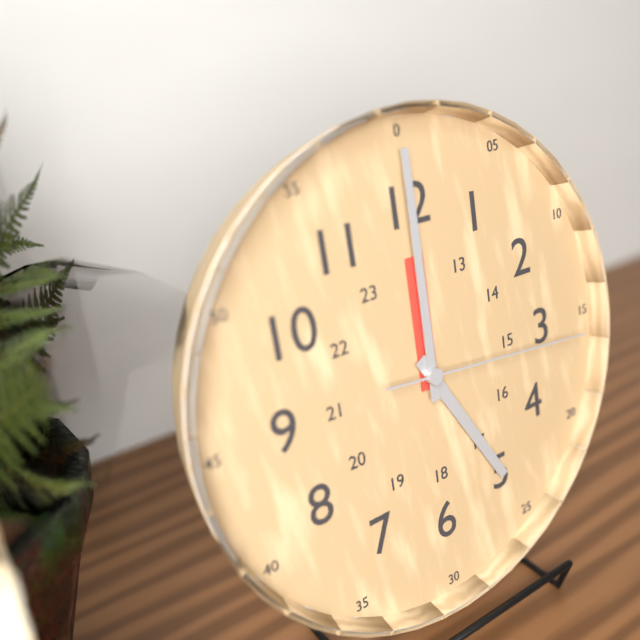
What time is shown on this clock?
5:00:16
